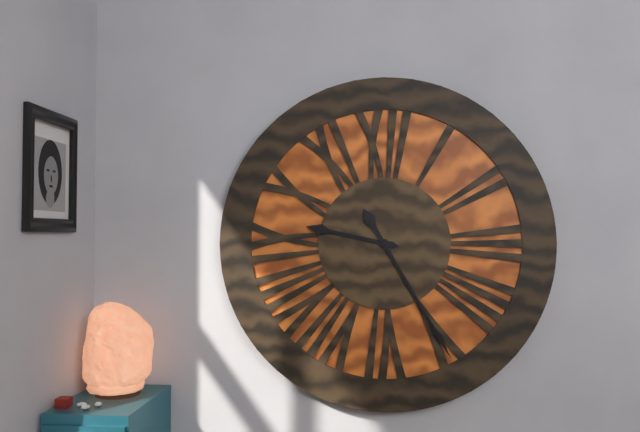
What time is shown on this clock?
9:25
